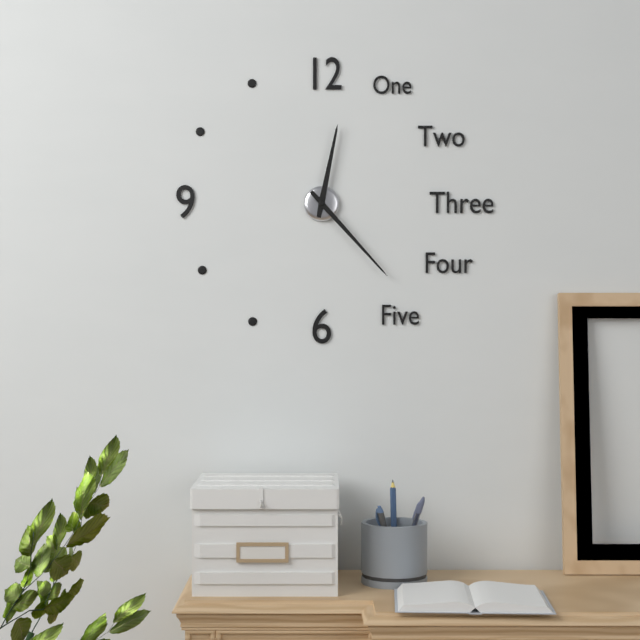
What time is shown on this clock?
12:23
